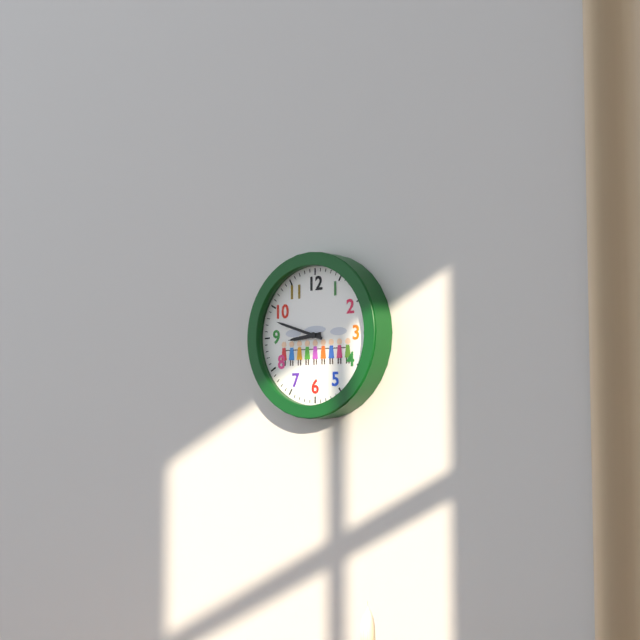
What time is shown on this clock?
8:48
